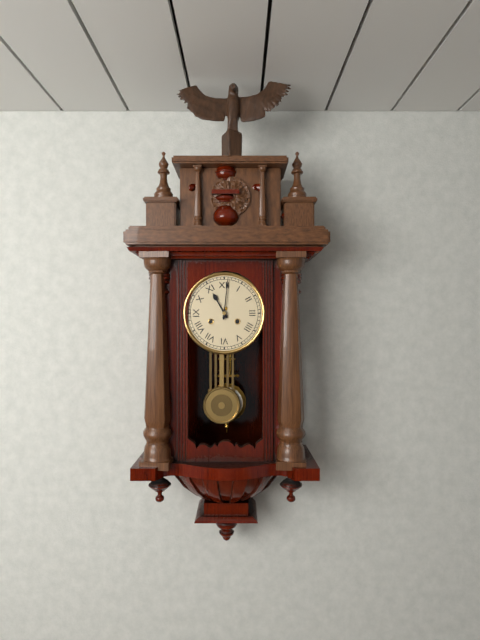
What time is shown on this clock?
11:01
